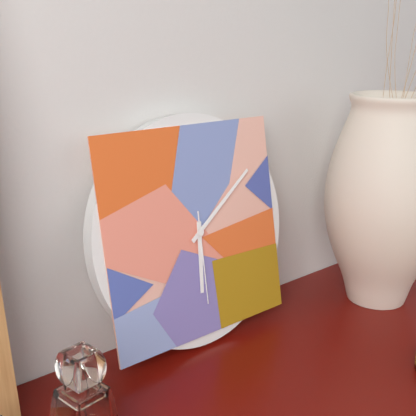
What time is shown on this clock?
6:09:30
